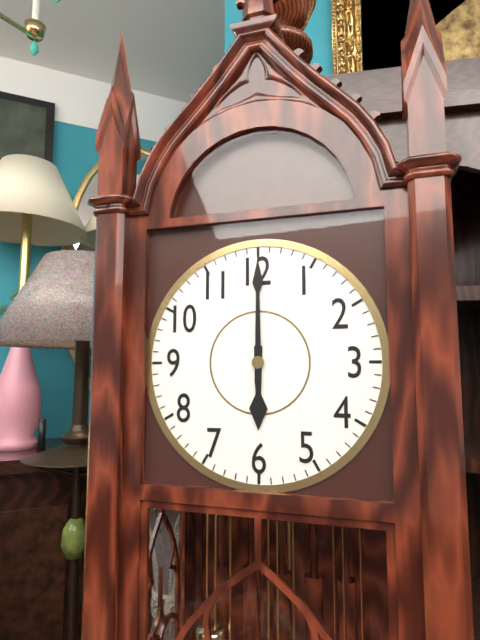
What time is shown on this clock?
6:00
